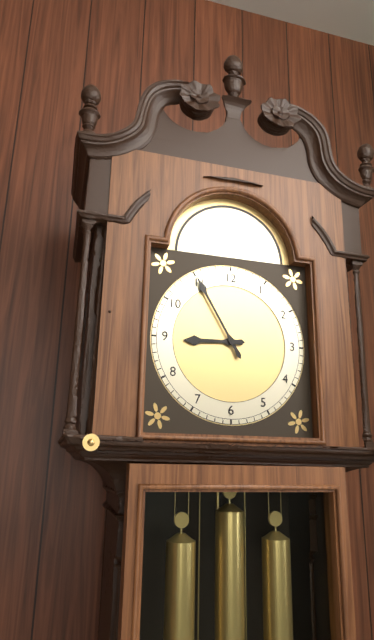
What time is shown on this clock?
8:55
